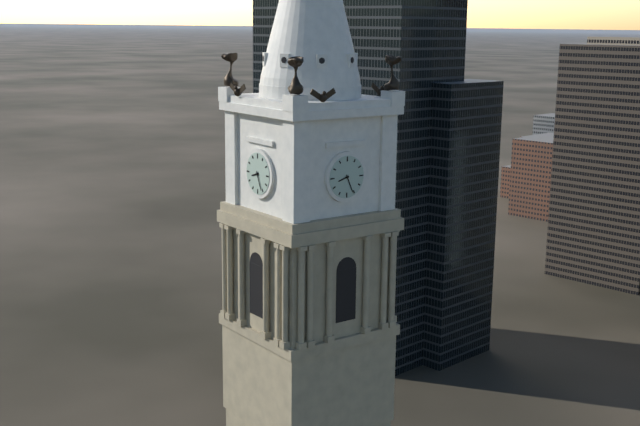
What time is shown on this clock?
8:26
